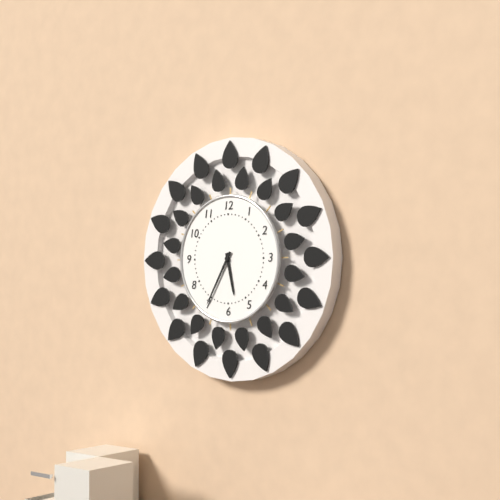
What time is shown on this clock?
5:35
